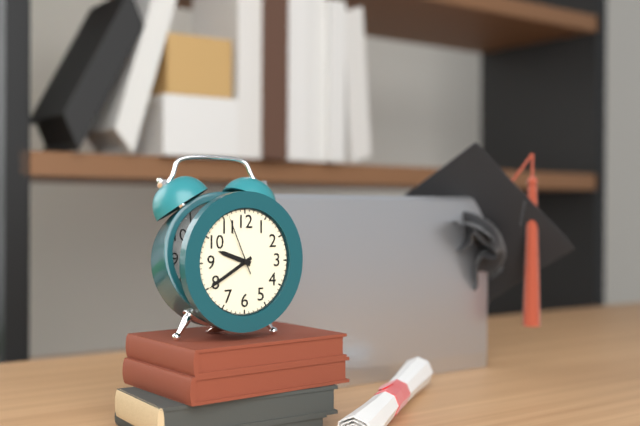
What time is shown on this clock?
9:40:56
